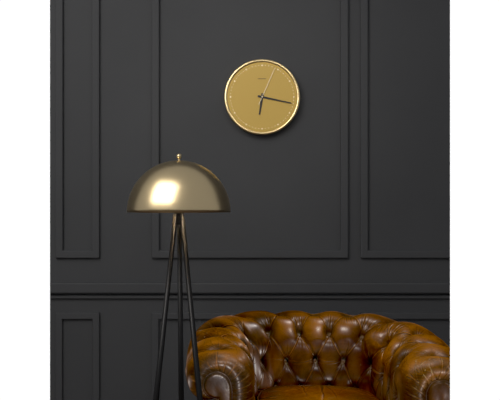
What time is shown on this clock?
6:17
